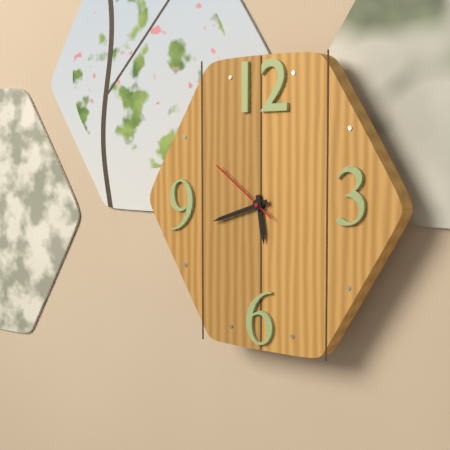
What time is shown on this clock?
5:42:51
